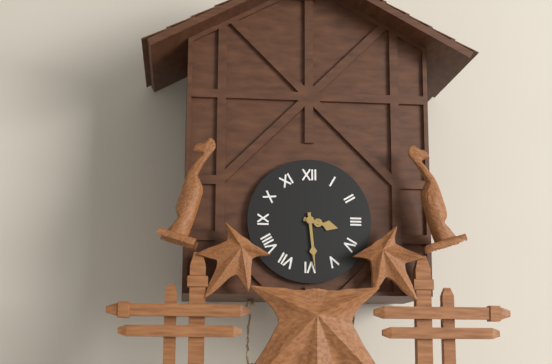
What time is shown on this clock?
3:29
